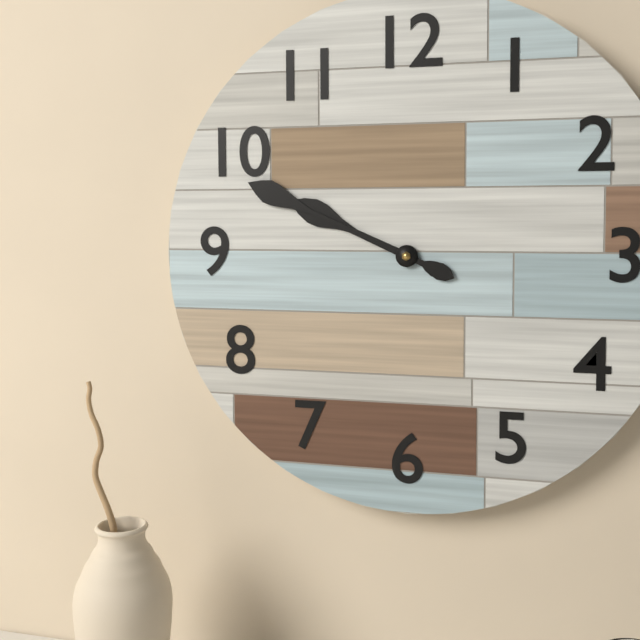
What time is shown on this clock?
9:49
